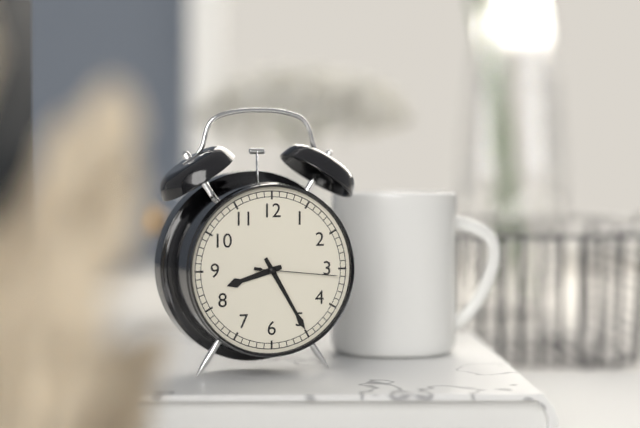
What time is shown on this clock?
8:25:16
